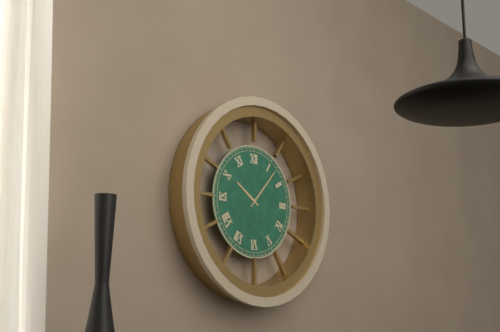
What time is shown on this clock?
10:07
